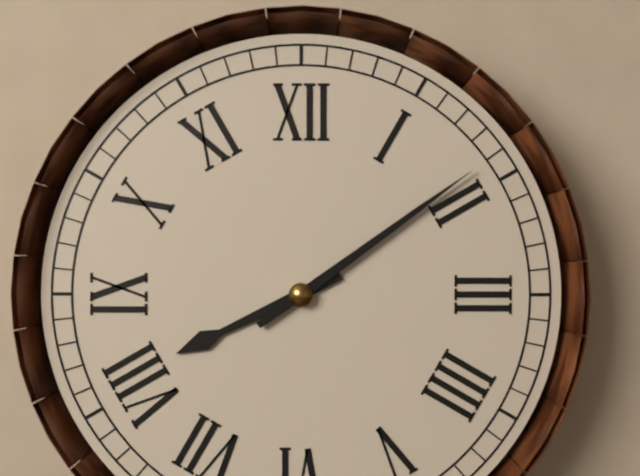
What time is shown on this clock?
8:09
